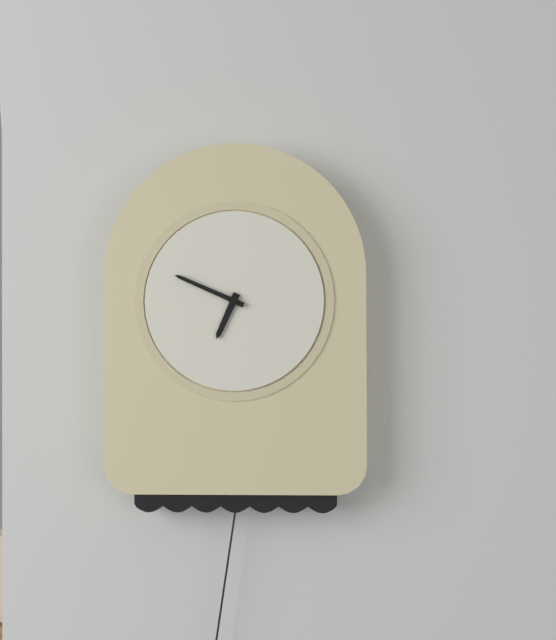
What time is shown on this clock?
6:49
